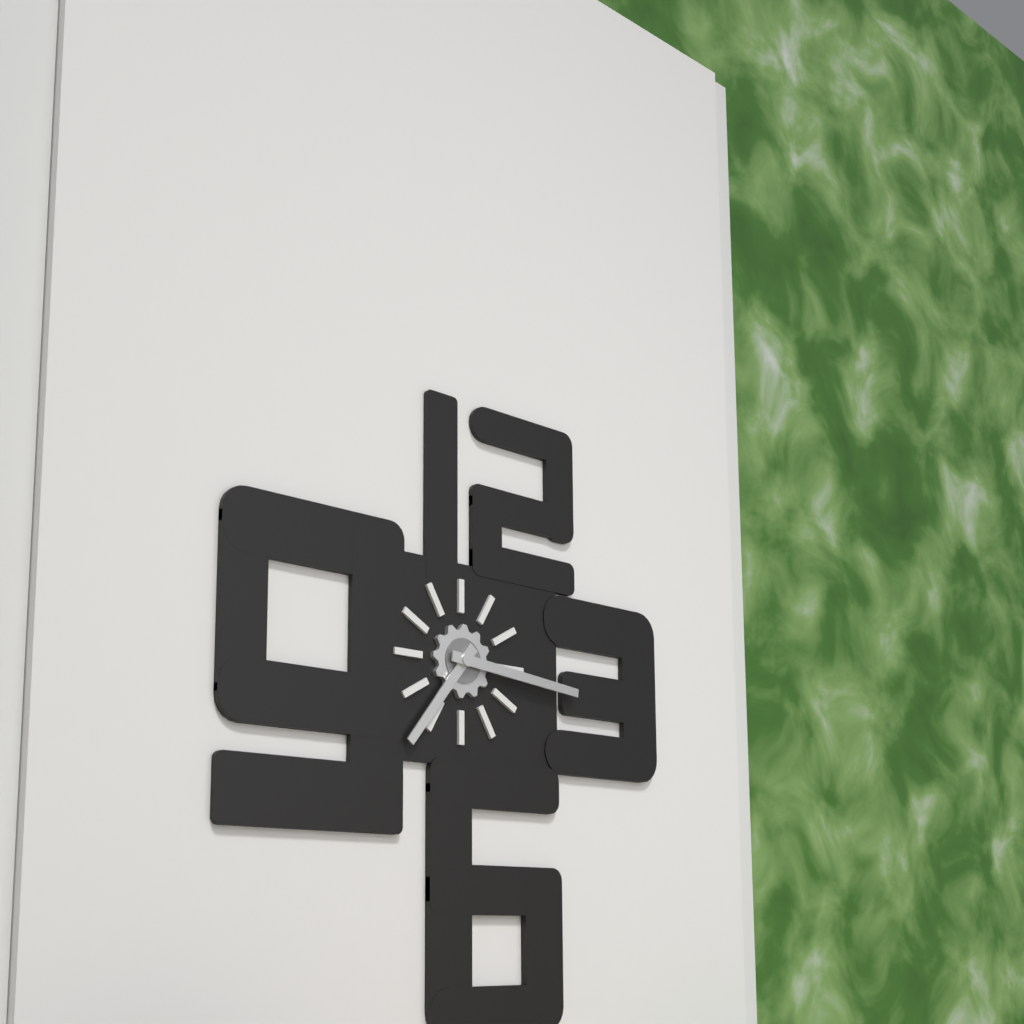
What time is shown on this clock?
7:16
